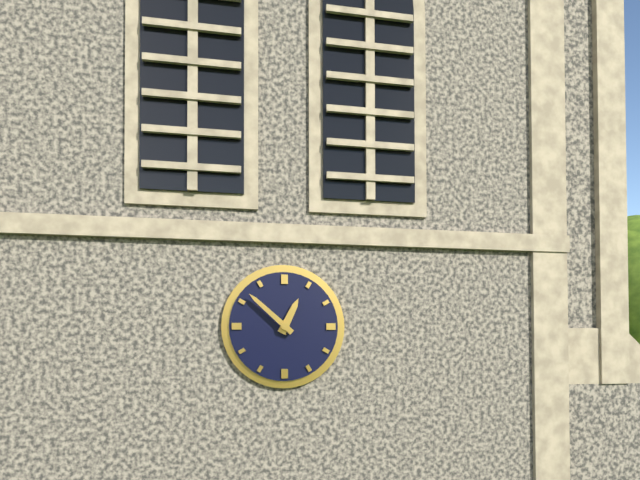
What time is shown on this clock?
12:52
